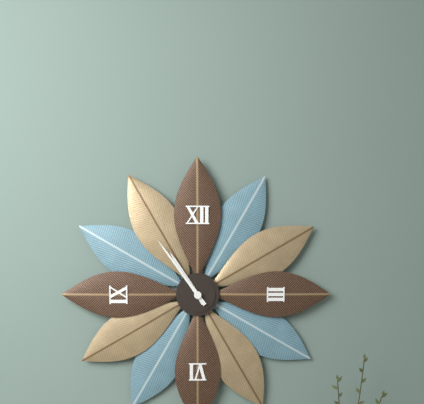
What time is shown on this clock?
10:54
